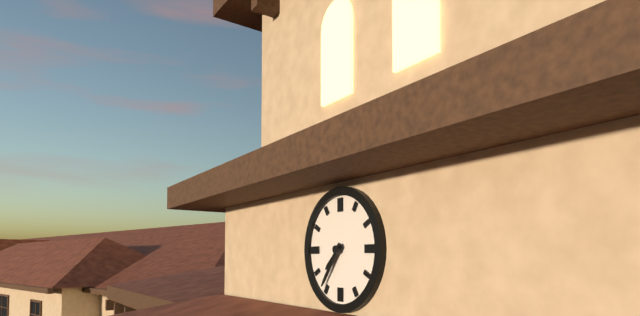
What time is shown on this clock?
7:36
